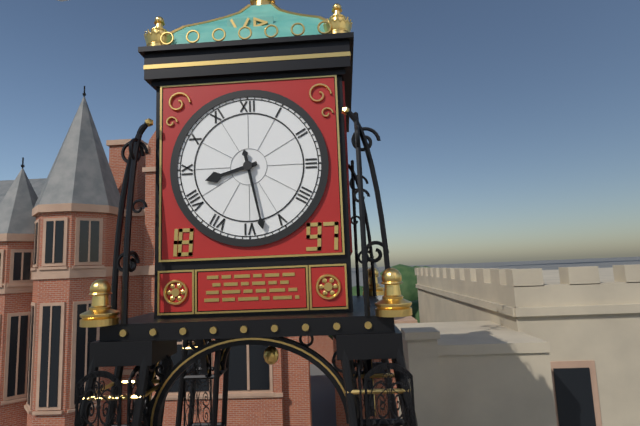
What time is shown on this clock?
8:28
